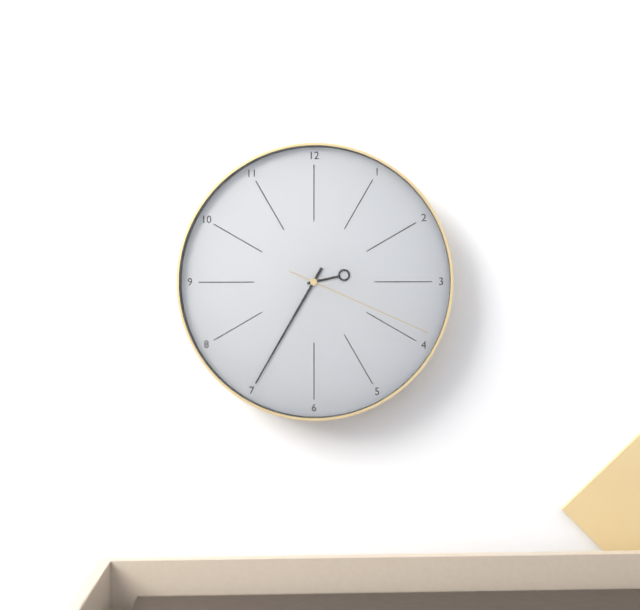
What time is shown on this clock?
2:35:19
